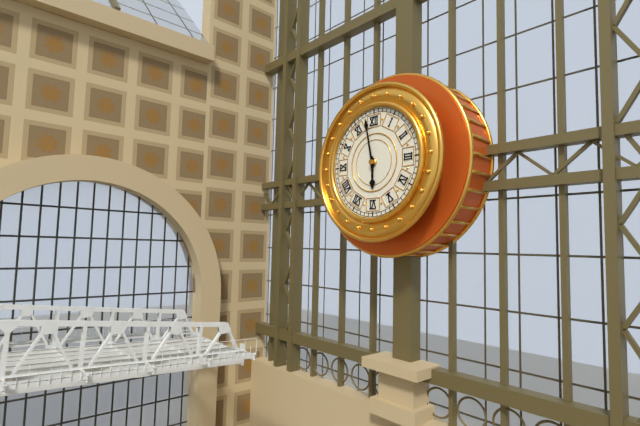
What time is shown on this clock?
5:58
